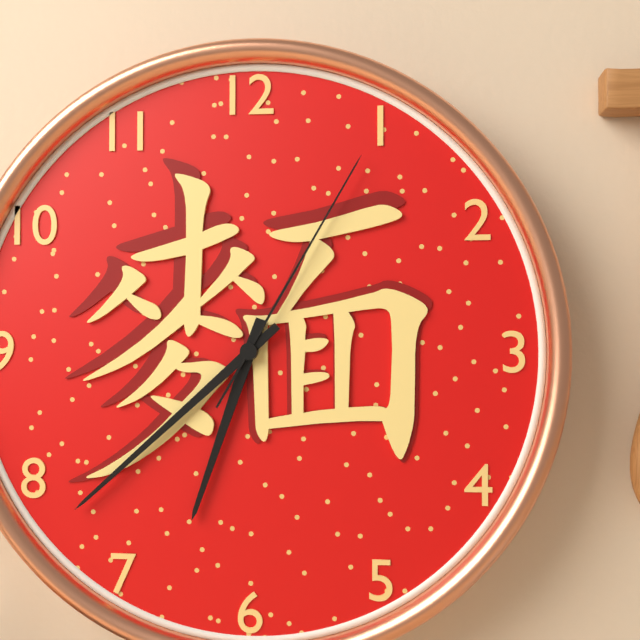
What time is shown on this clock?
6:38:05
